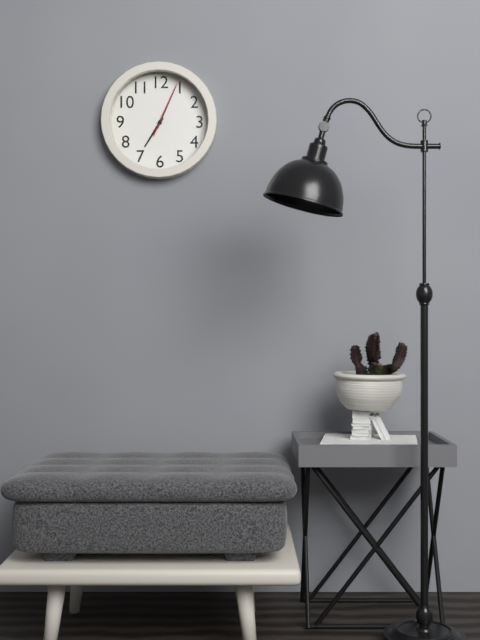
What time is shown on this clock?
7:04:04
